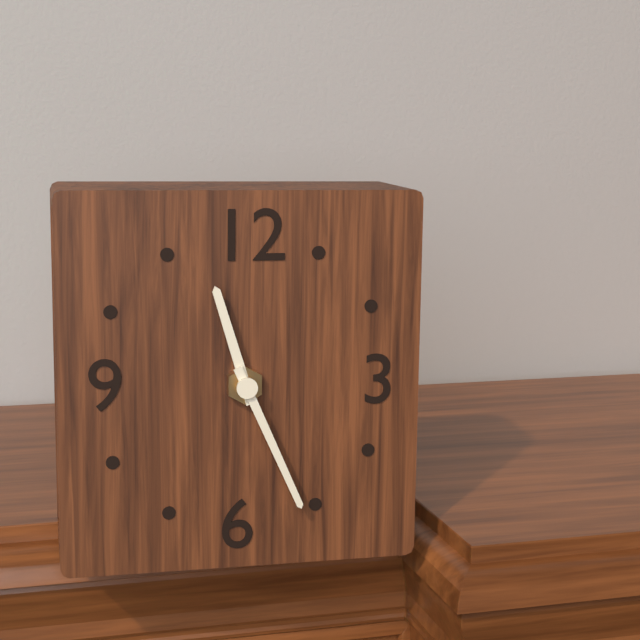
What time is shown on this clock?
11:26
